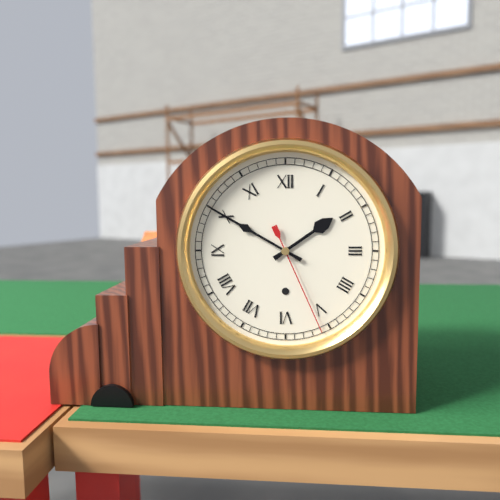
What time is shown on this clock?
1:50:26
